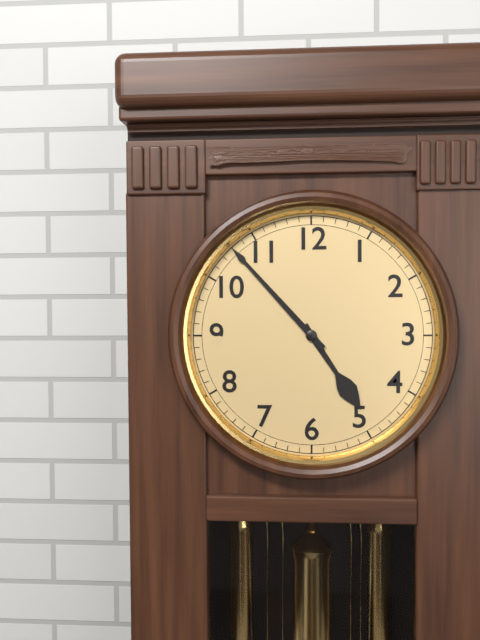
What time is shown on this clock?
4:53
